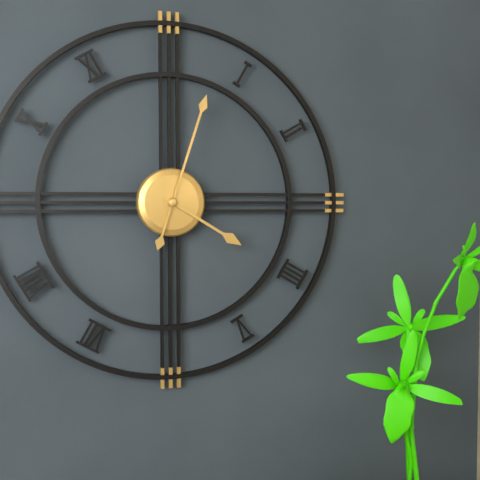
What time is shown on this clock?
4:03
